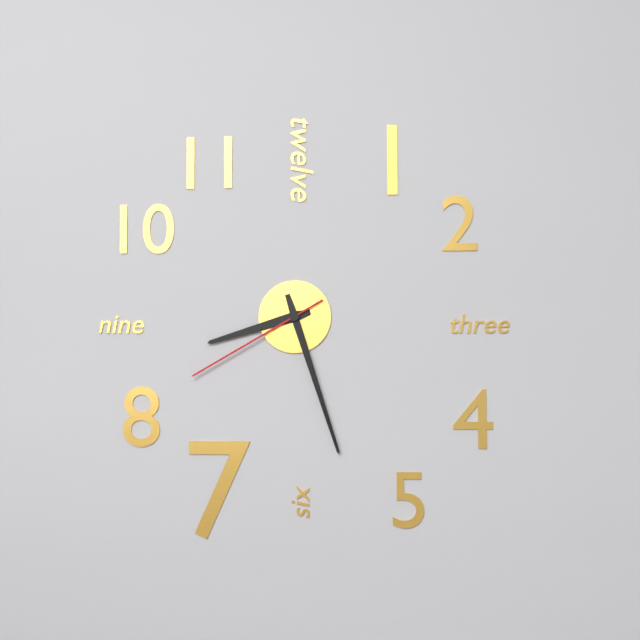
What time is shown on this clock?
8:27:40
